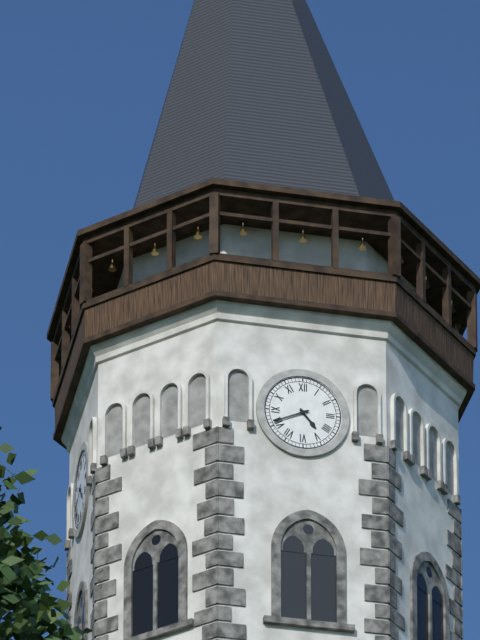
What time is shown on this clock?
4:41
